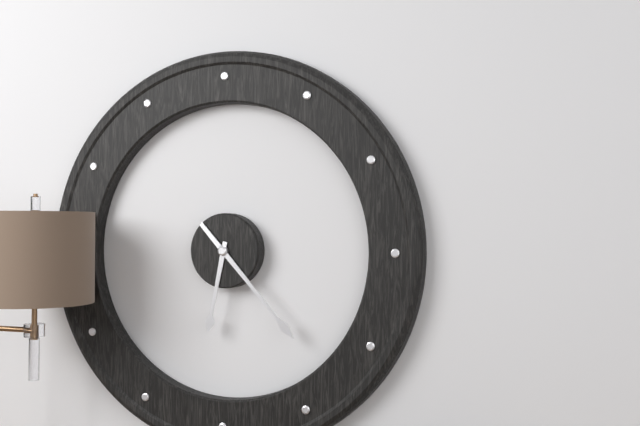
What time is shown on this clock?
6:23
